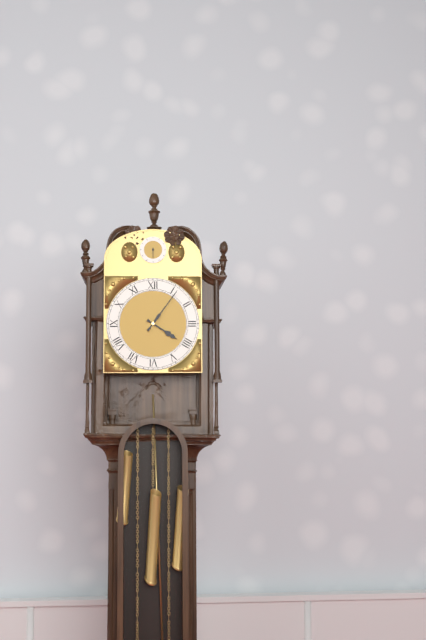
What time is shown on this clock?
4:06
